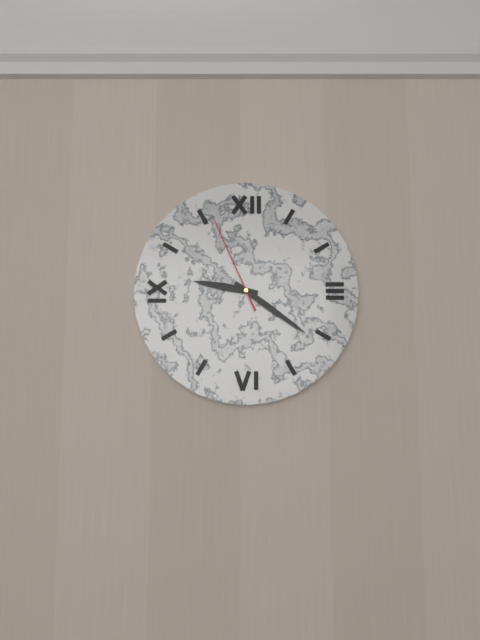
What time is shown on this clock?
9:21:56
